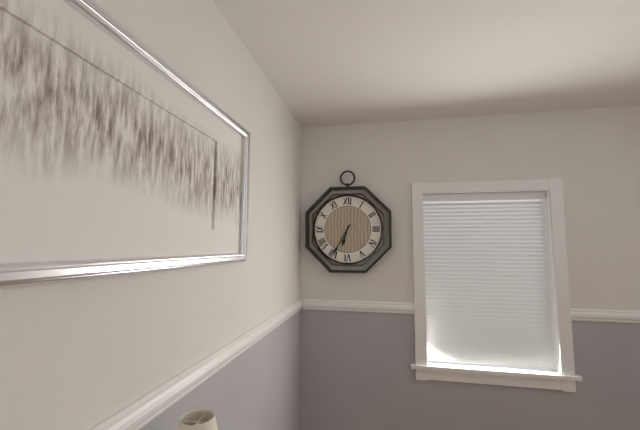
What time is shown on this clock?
6:35
